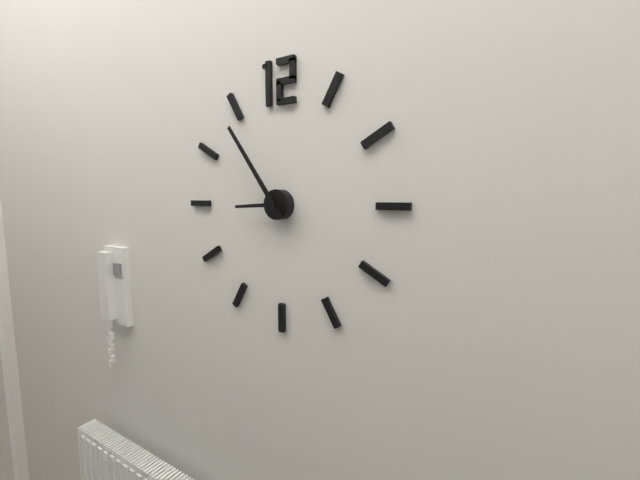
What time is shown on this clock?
8:54
